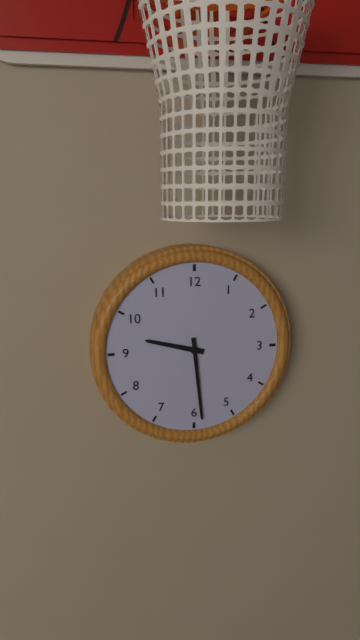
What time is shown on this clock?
9:29
